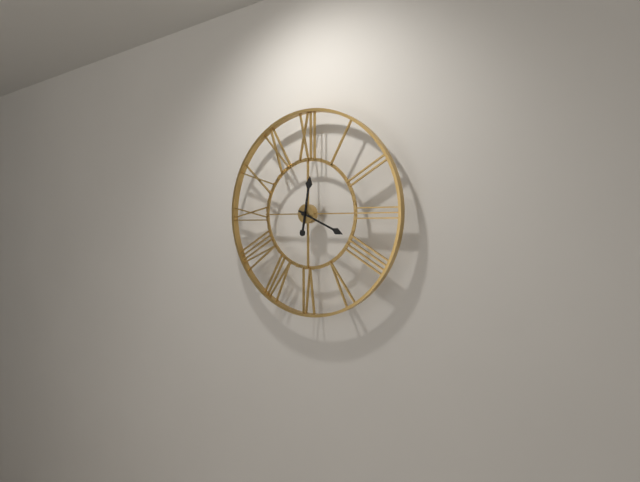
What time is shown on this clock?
12:19
